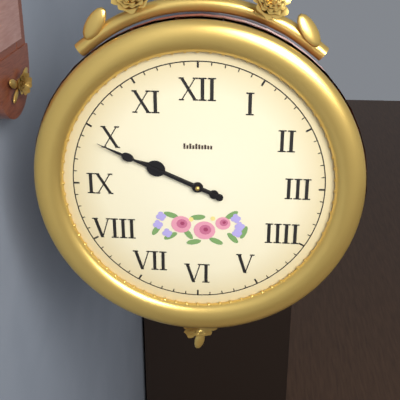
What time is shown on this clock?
9:49
